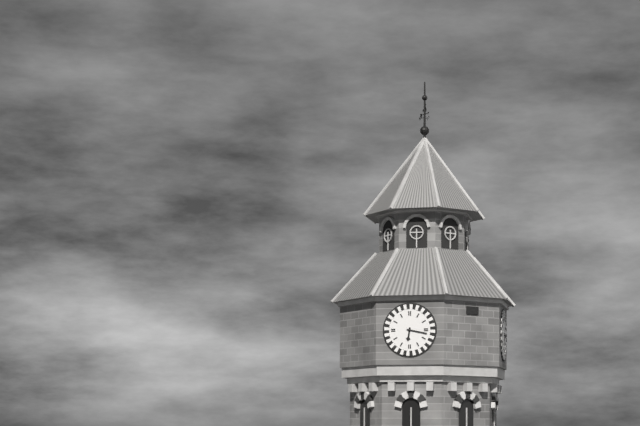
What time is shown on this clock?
6:17
